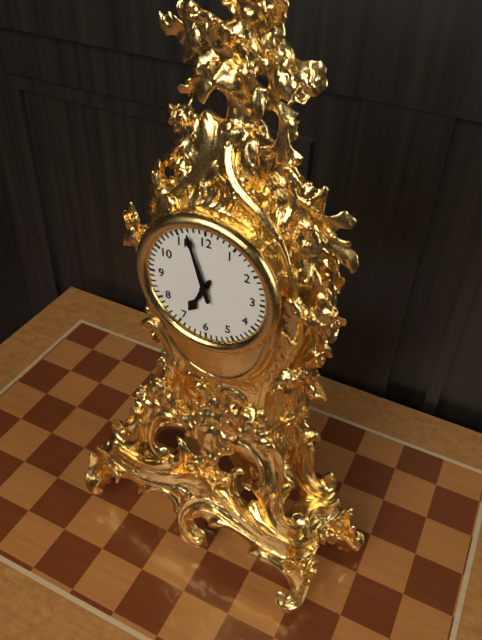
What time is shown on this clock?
6:57
